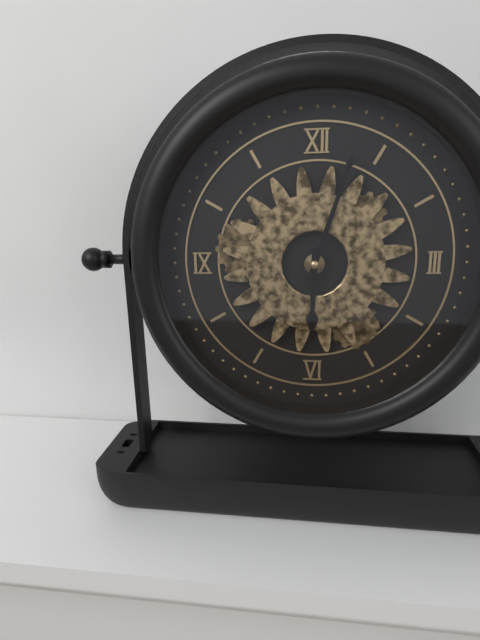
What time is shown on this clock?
6:03
